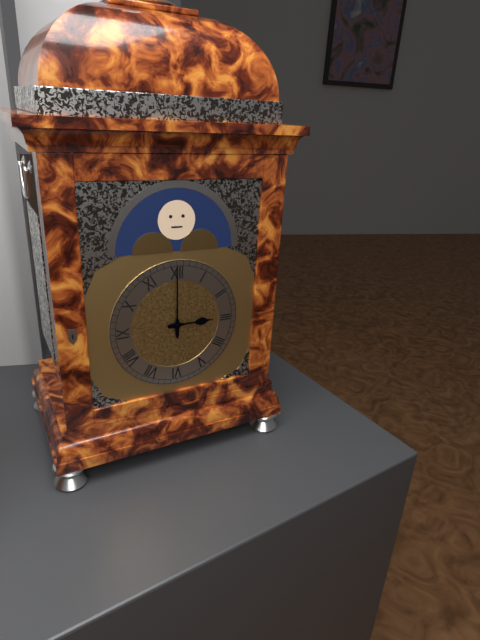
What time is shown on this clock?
3:00
